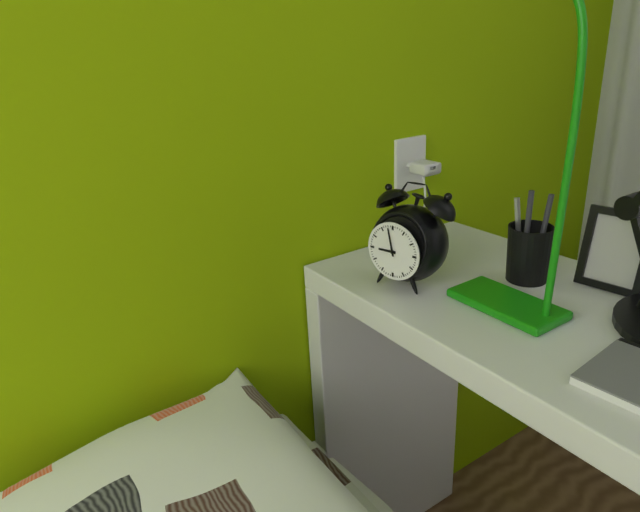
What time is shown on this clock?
8:58
